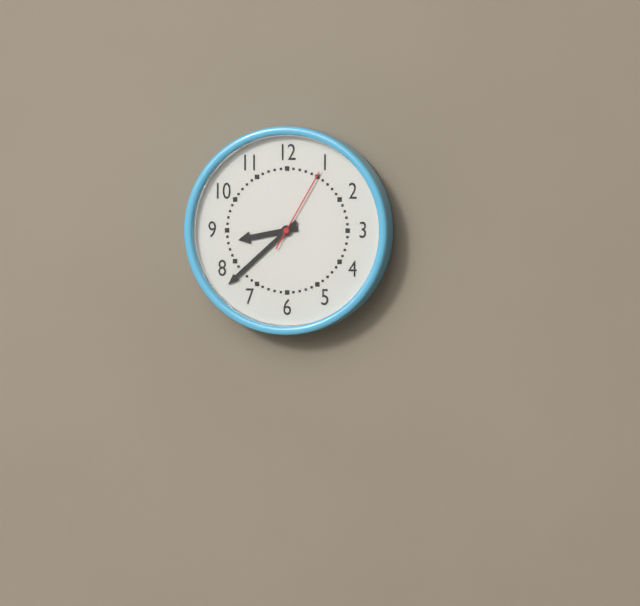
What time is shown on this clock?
8:38:05
